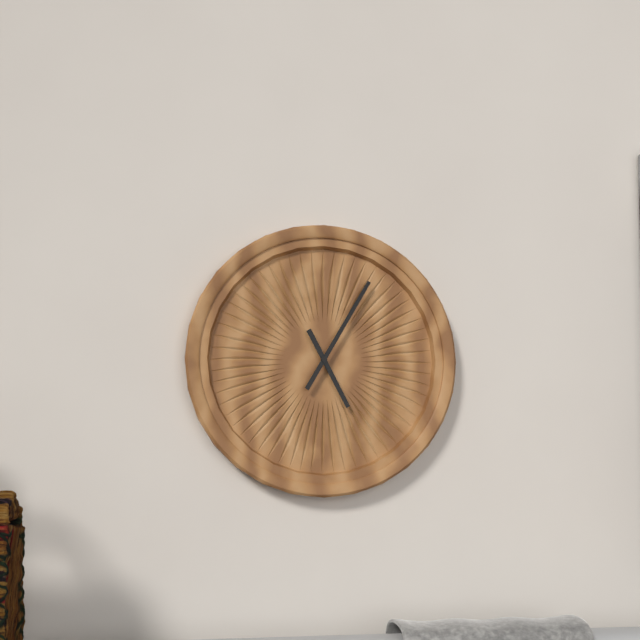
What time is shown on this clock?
5:05
